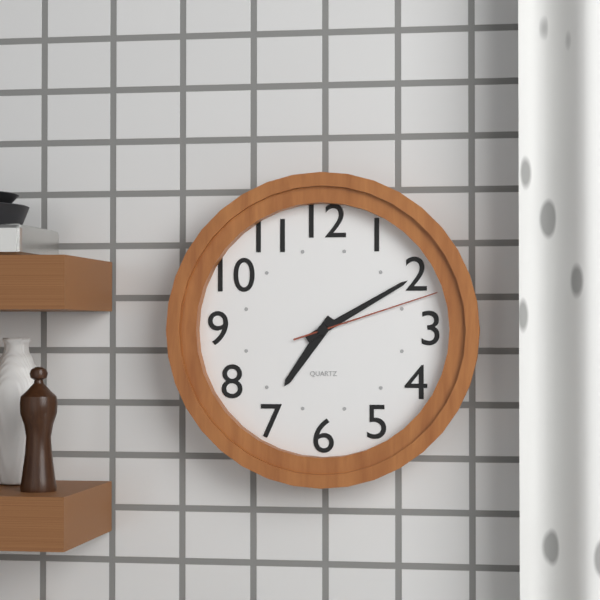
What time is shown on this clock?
7:10:12
